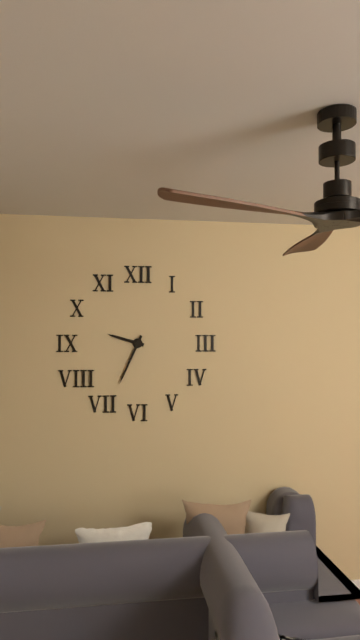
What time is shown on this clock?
9:34
